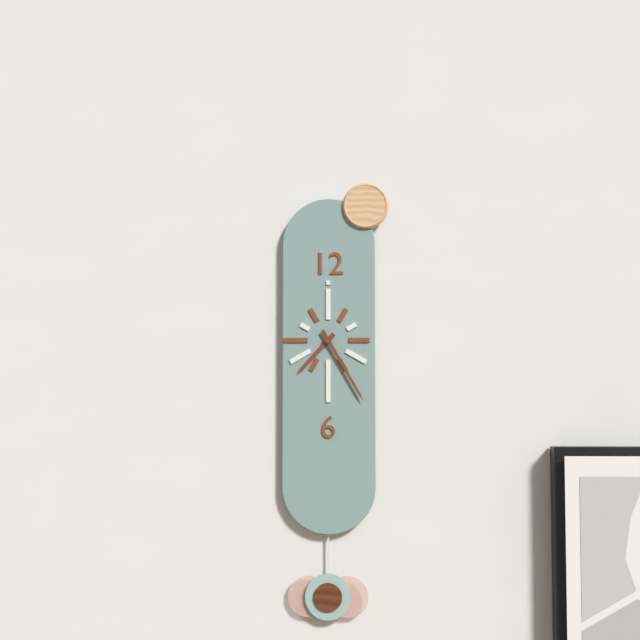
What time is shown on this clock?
7:25
